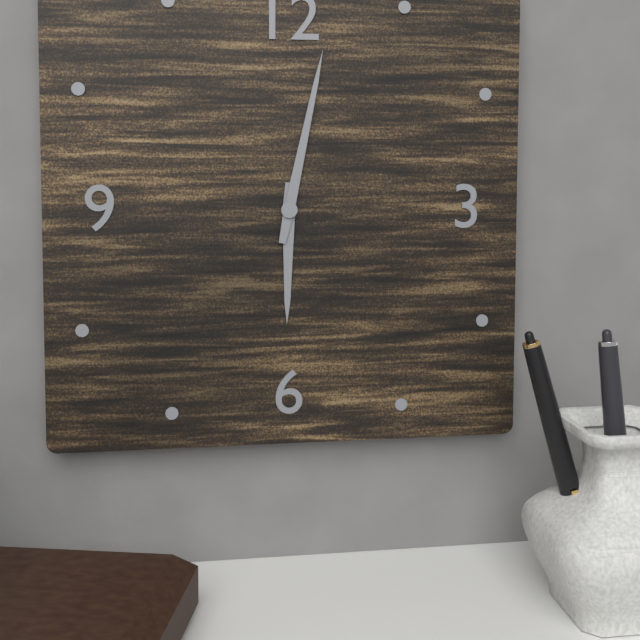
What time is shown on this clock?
6:02
